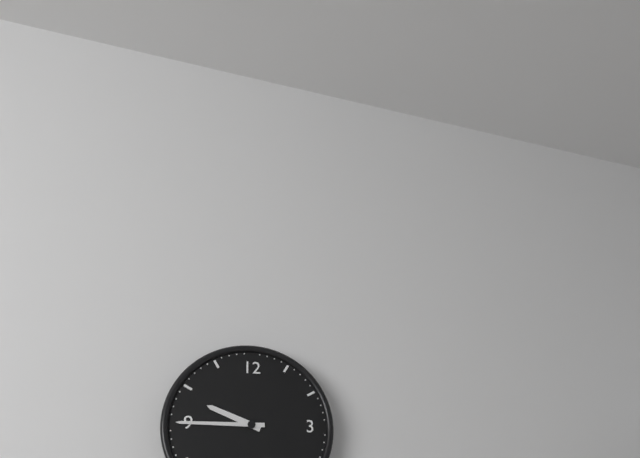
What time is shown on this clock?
9:45
